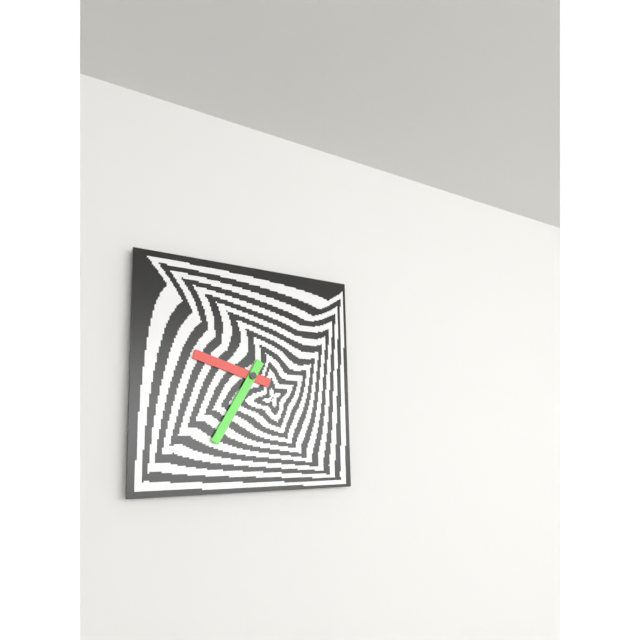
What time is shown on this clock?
9:35
